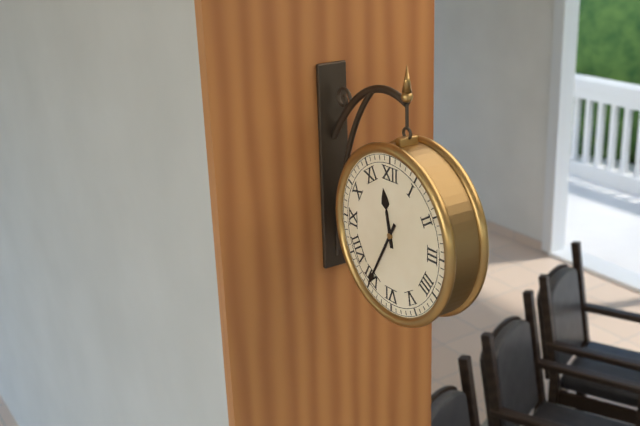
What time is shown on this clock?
11:35
